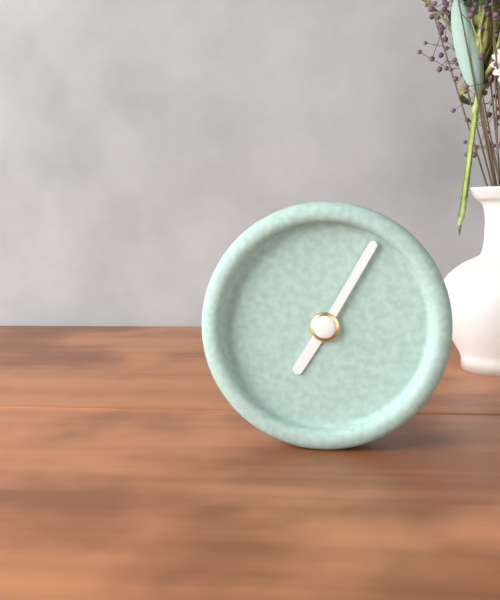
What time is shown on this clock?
7:05
